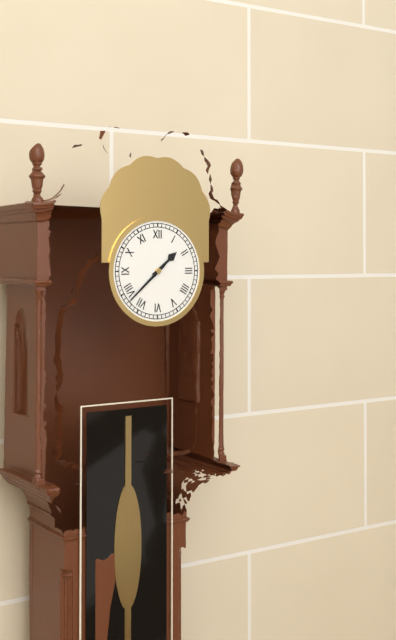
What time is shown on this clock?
1:38
